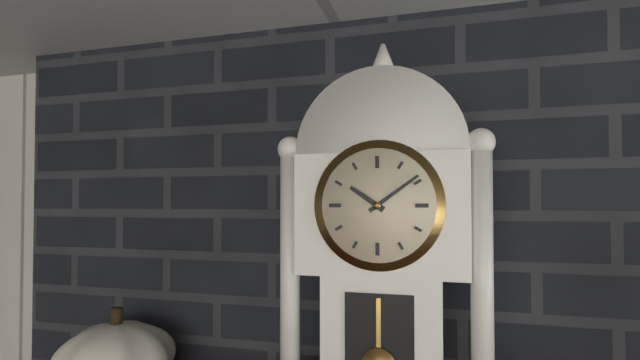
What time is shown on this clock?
10:09
